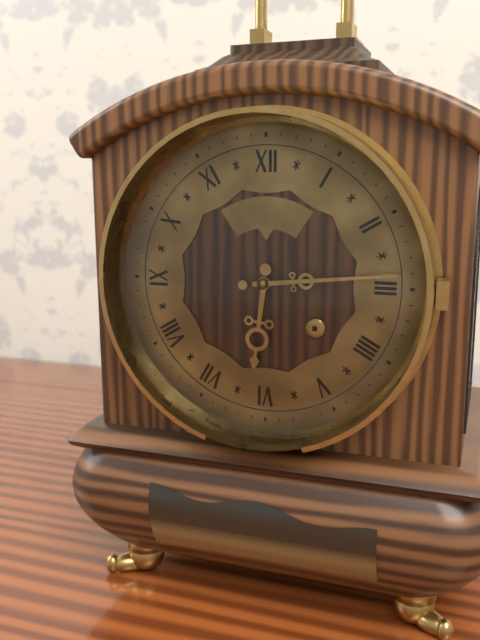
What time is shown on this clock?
6:14
